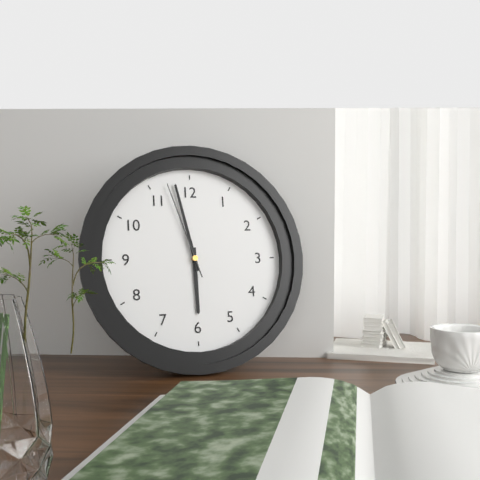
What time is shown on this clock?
5:58:57
